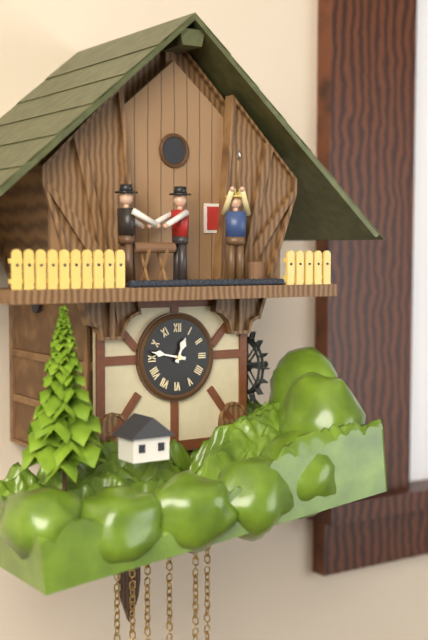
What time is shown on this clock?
12:47
